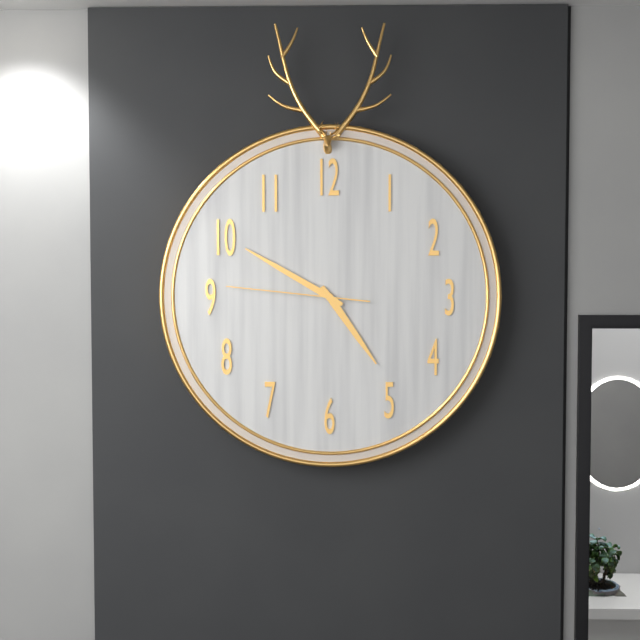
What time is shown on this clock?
4:50:46
